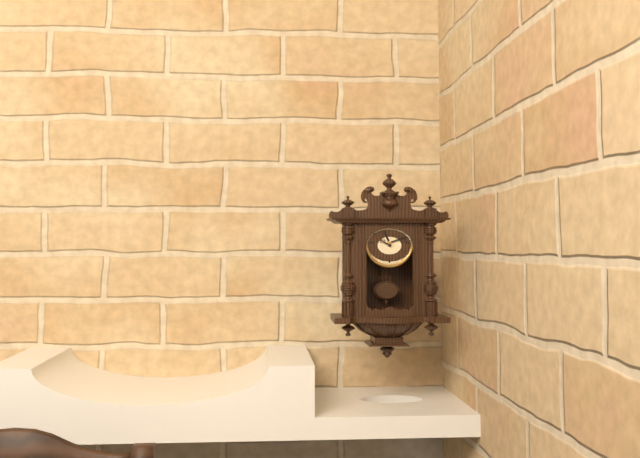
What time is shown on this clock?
11:12
